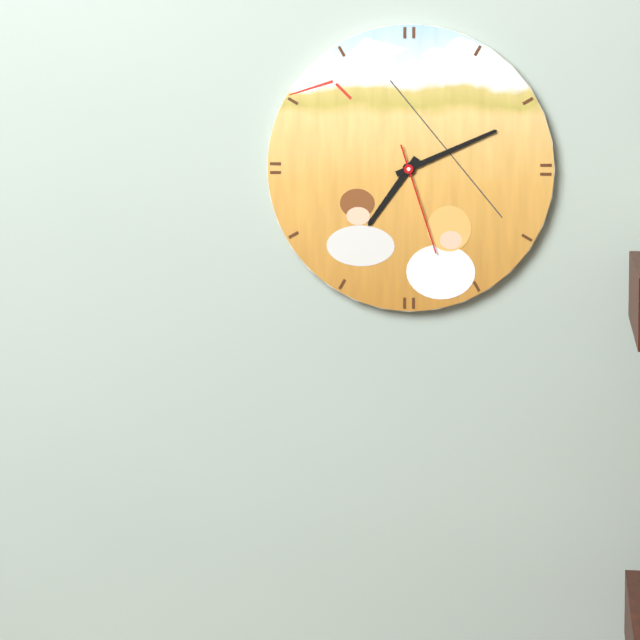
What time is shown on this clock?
7:11:27
